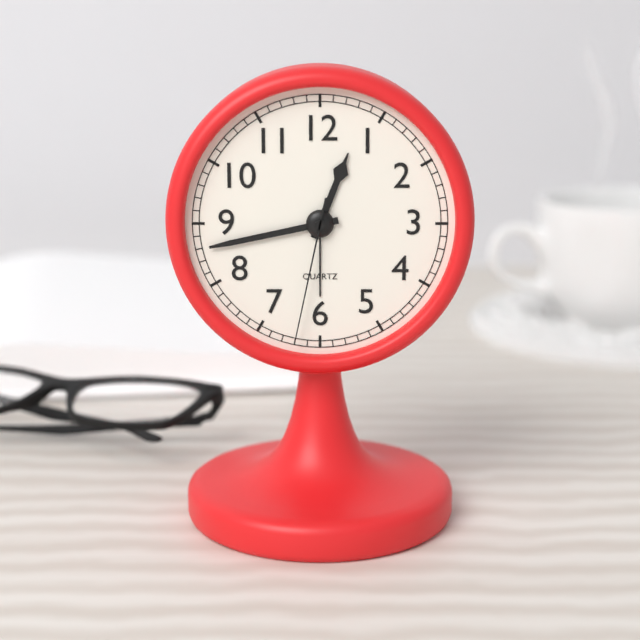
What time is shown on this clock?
12:43:32
